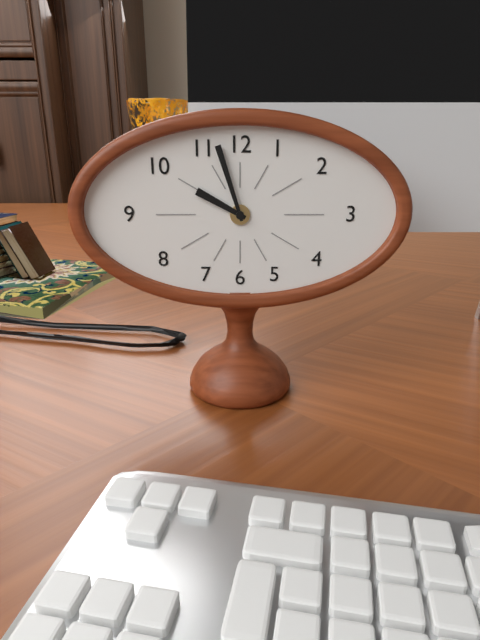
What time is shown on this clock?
9:57
